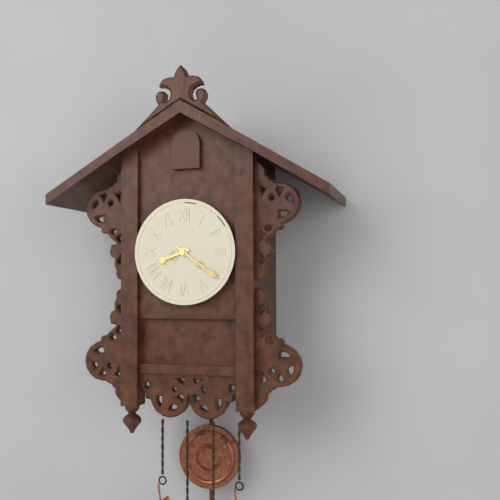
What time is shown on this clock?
8:21
